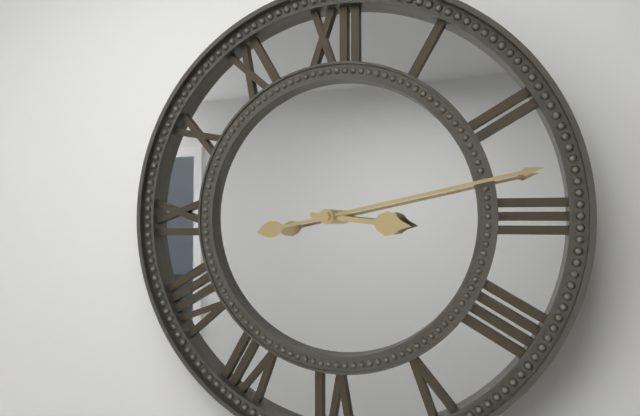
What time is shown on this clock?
3:13
